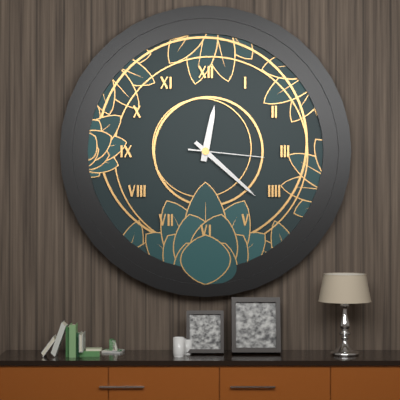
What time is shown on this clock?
12:22:16
